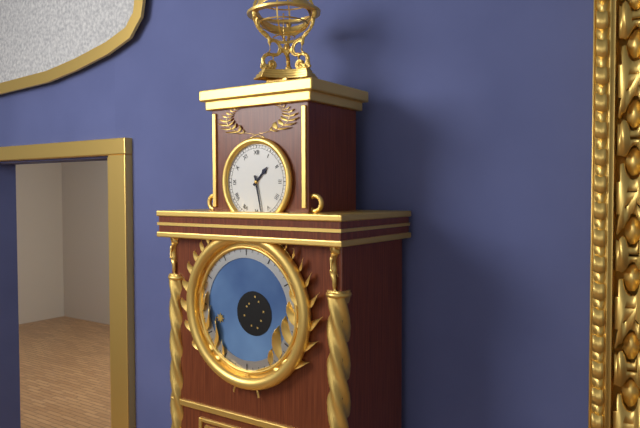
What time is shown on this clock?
1:28
